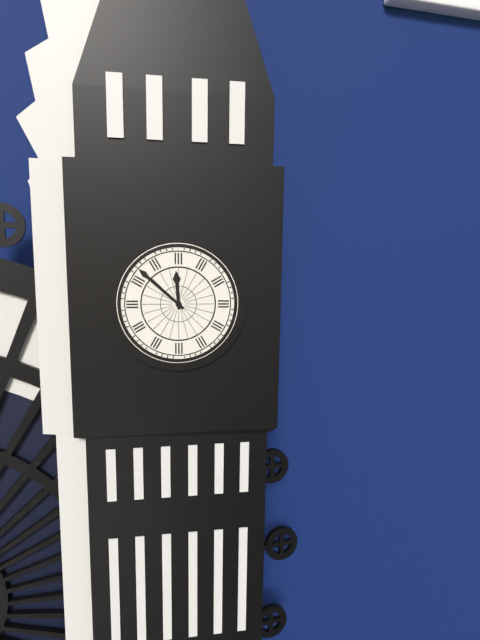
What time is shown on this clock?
11:52
